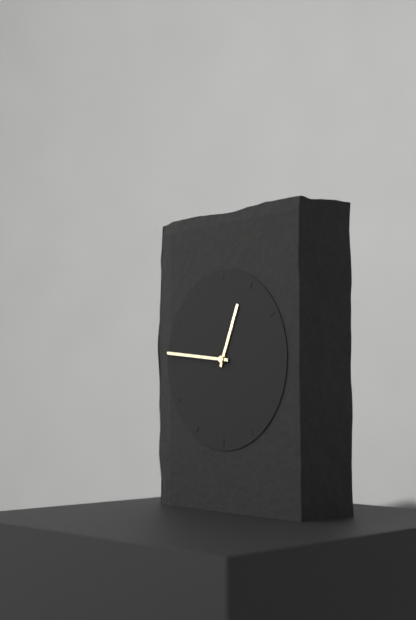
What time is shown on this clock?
12:46
